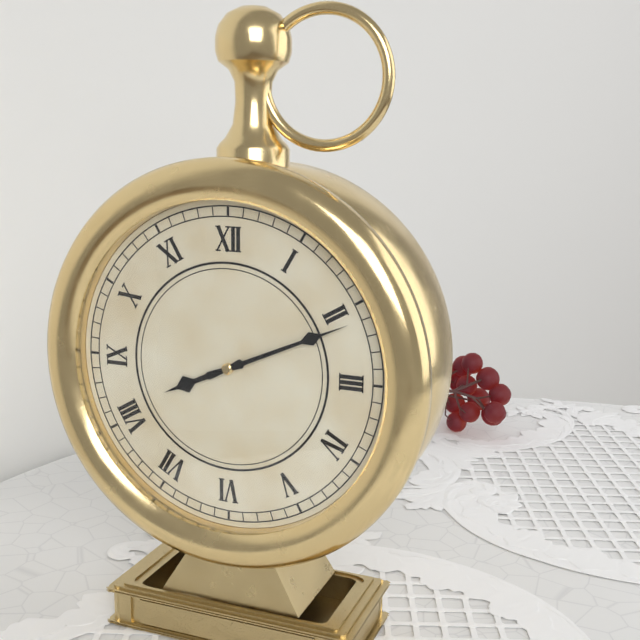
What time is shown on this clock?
8:11
